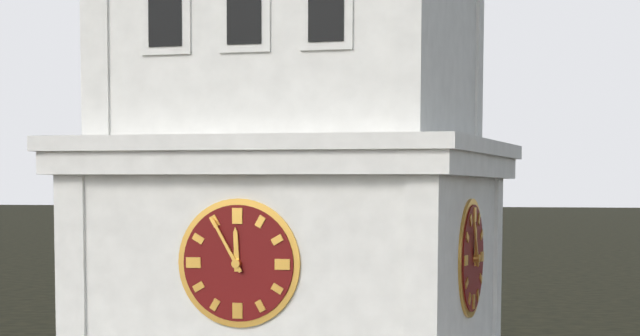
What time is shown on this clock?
11:55
